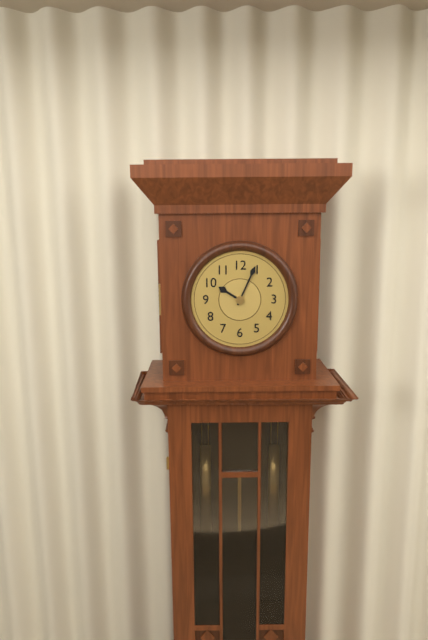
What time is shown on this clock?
10:04
